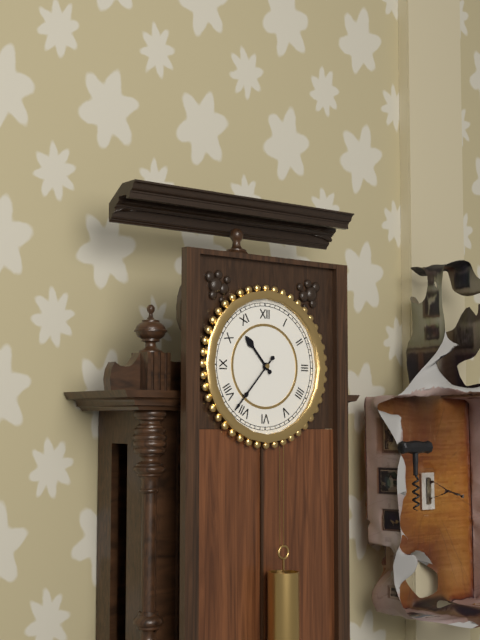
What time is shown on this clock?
10:37
